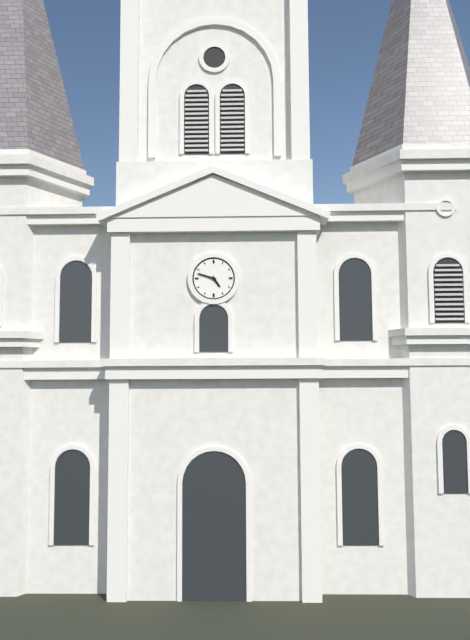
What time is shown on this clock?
4:48
